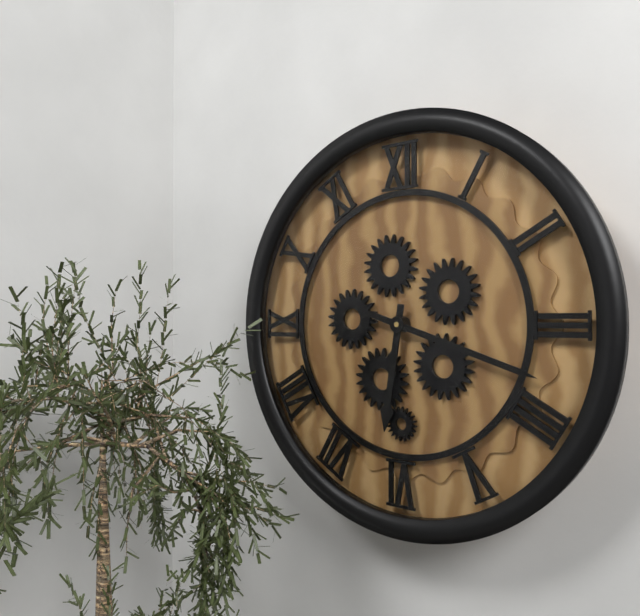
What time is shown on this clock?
6:18
